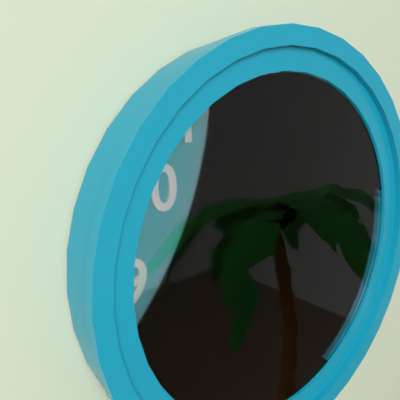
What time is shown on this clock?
8:00:57
